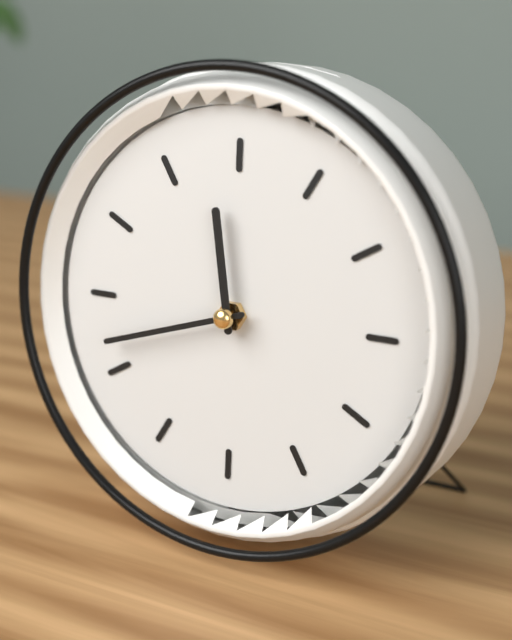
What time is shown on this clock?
11:42
